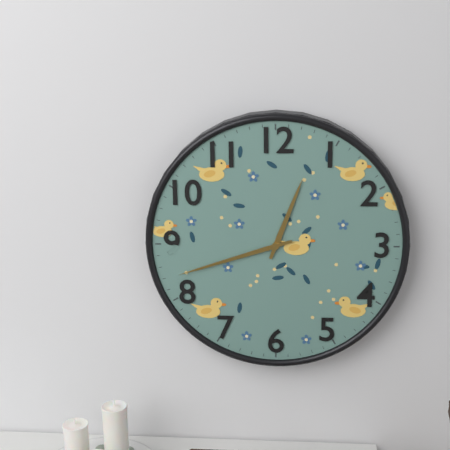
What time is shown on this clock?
12:42
